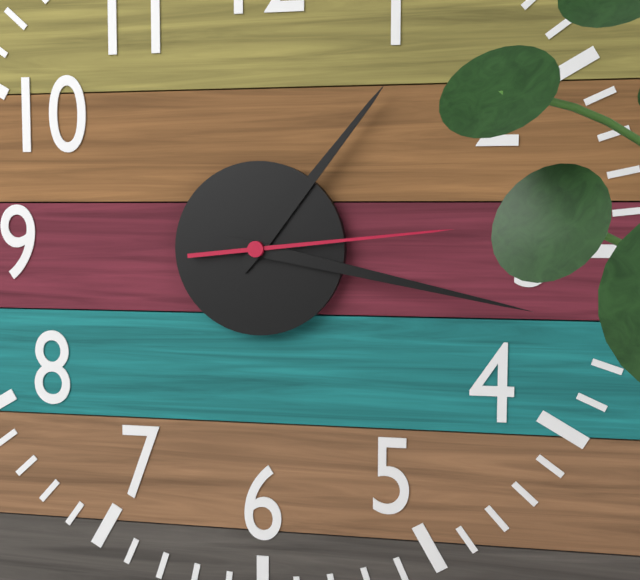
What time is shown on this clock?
1:17:14
